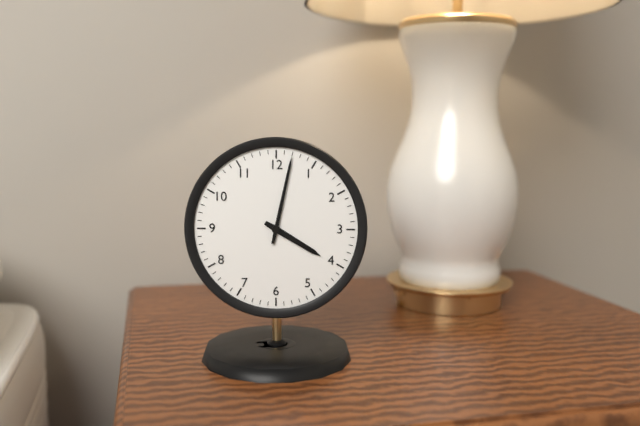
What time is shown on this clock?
4:02
